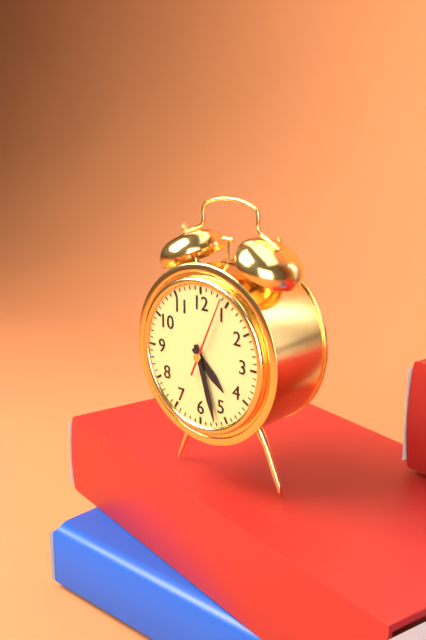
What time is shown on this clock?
4:27:04
